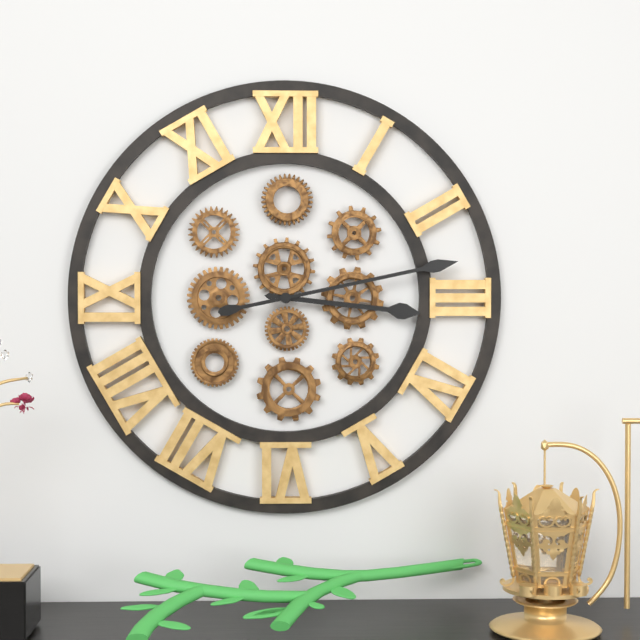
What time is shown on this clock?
3:13
